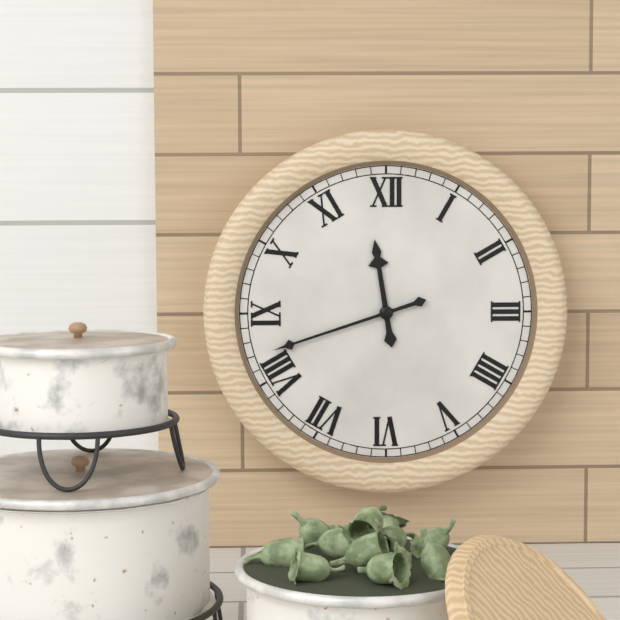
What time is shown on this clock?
11:42
